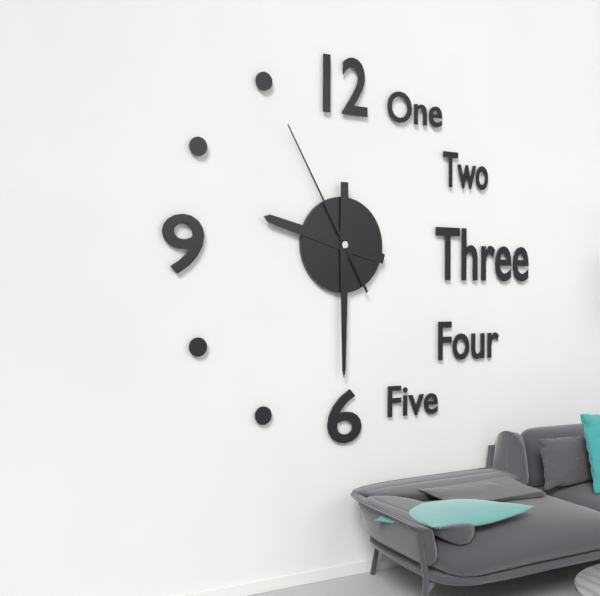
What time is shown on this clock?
9:30:55
